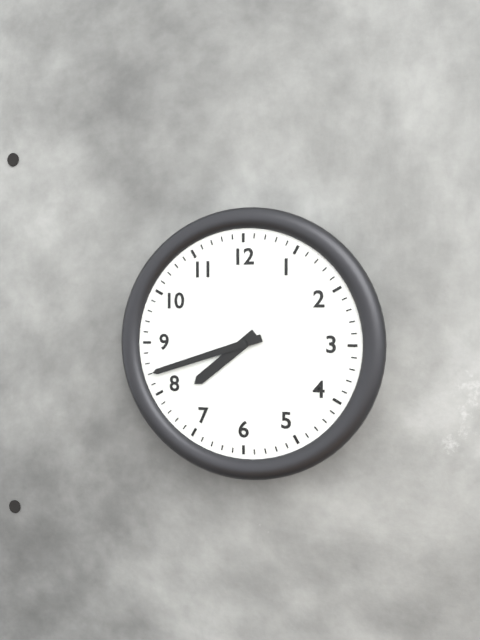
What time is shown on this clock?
7:42
